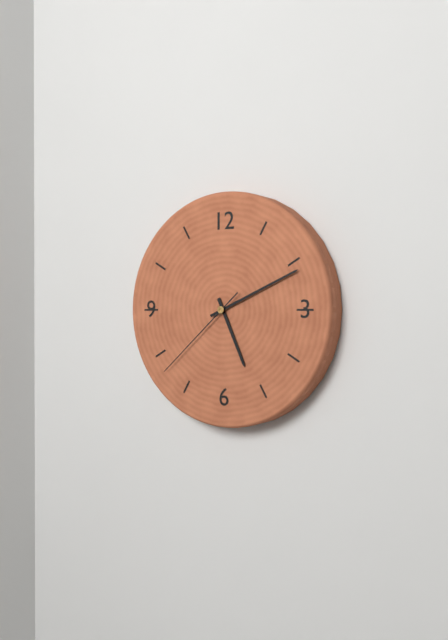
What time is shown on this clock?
5:11:38
